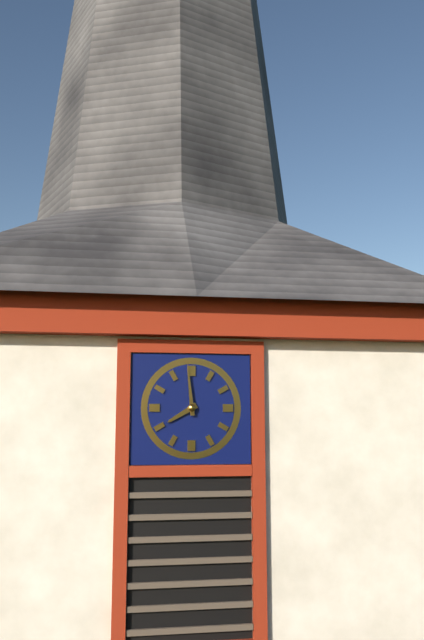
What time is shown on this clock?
7:59
